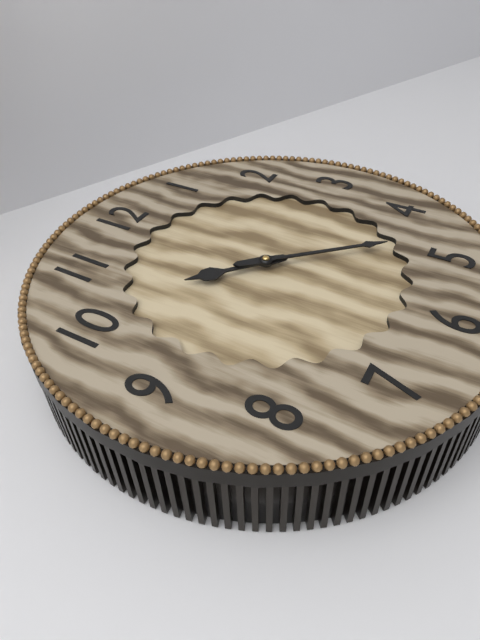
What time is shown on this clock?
10:23
